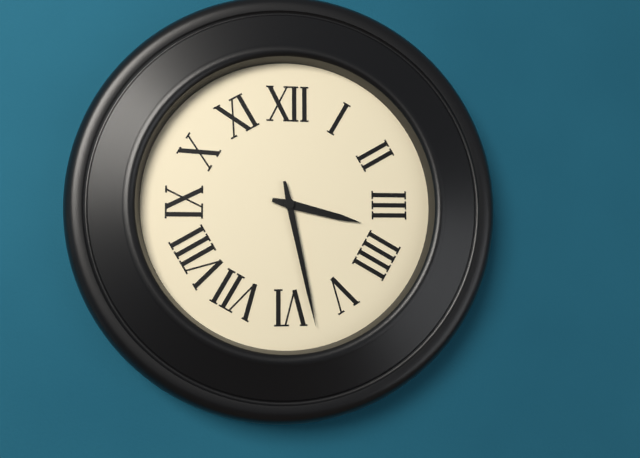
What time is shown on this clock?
3:28
